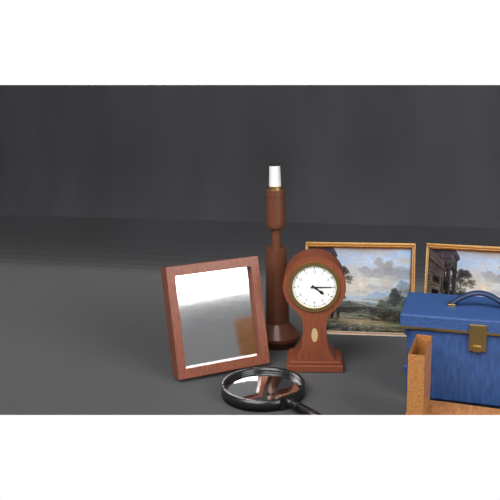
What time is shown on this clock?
4:15
